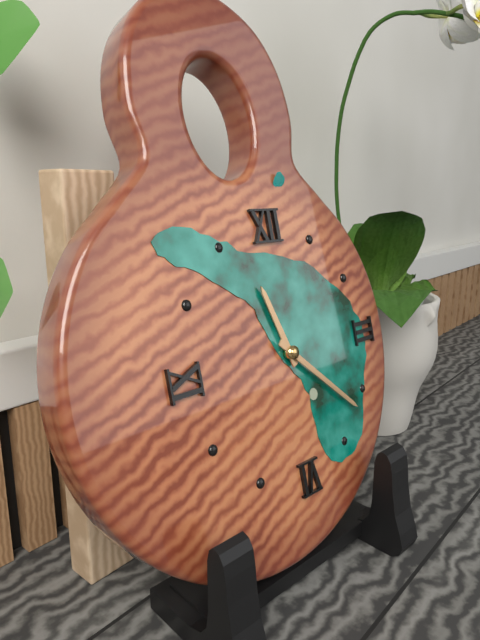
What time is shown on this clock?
11:22
